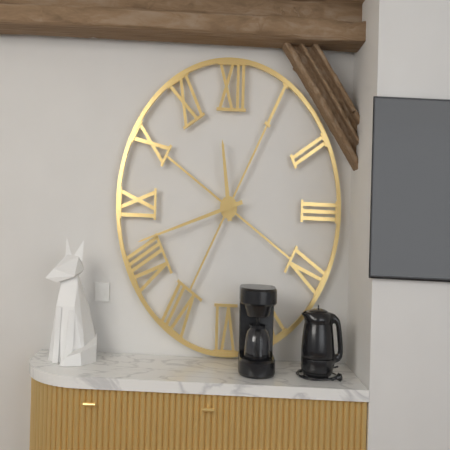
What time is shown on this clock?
11:42
